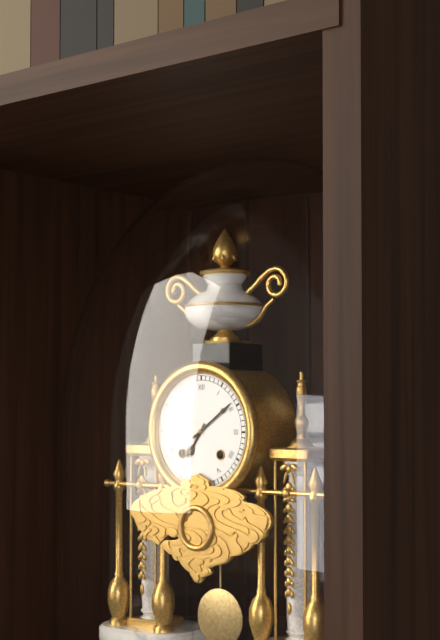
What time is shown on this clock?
7:09
